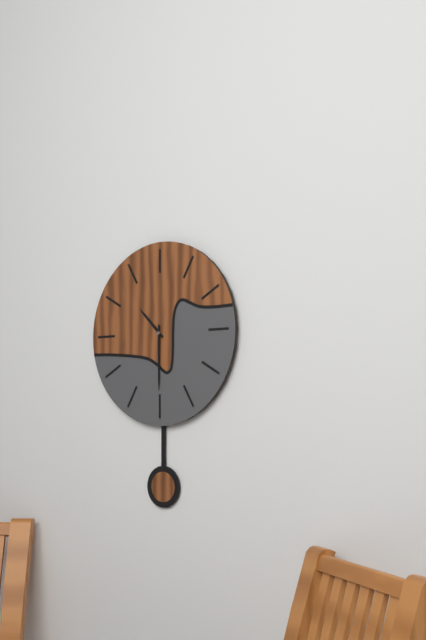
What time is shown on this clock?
10:30
